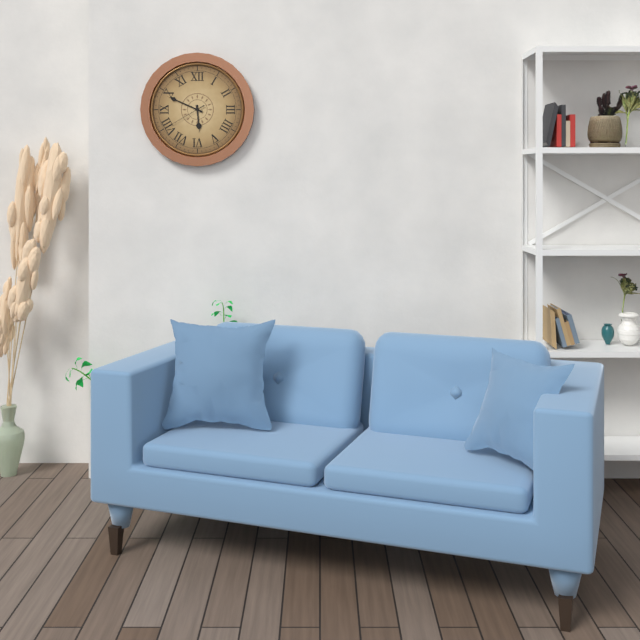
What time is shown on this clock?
5:49
